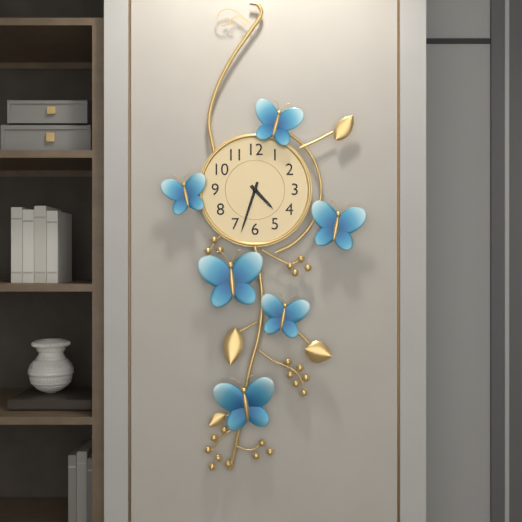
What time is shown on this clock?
4:33
